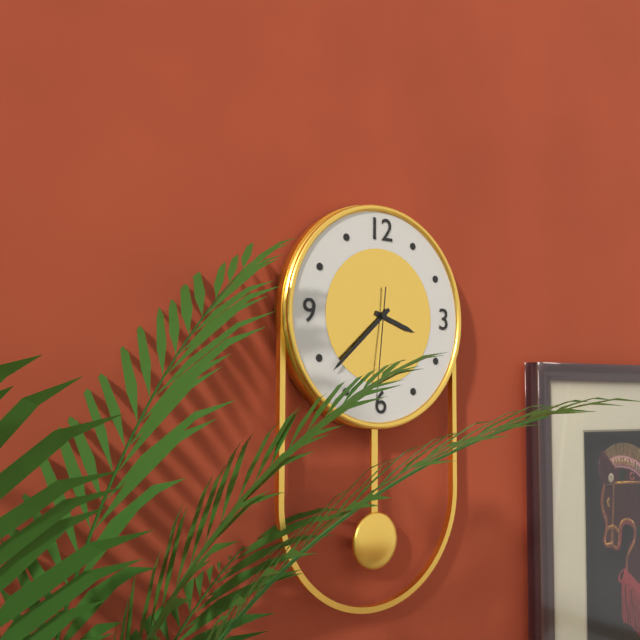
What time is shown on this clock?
3:38:31
